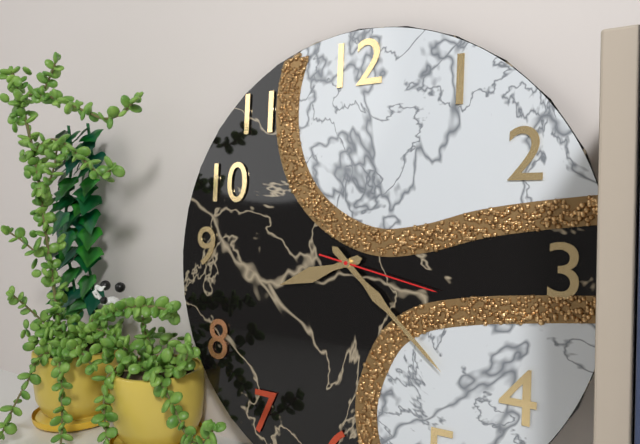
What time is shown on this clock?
8:22:17
